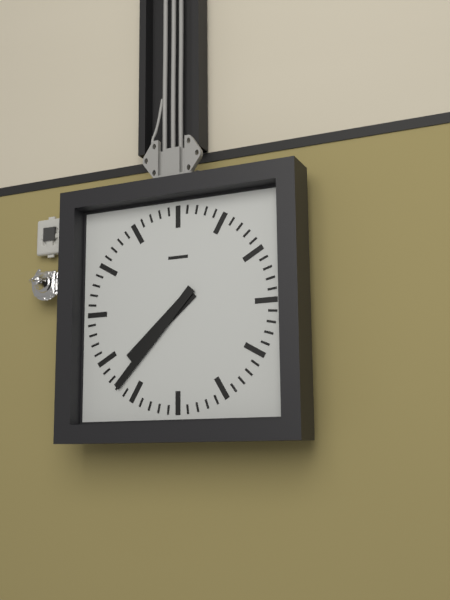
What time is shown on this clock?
7:37
